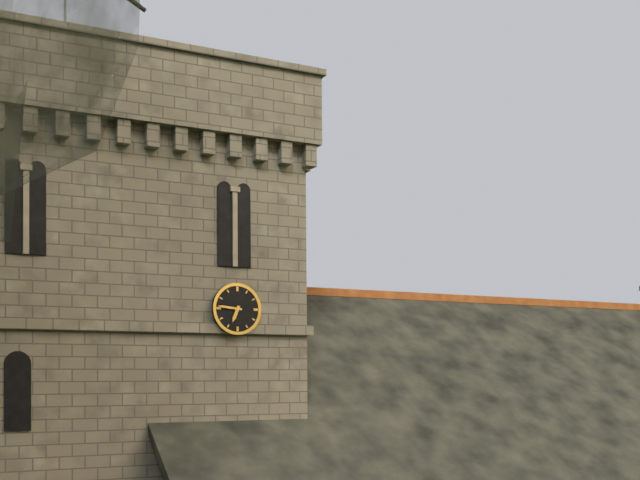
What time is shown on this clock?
6:46
